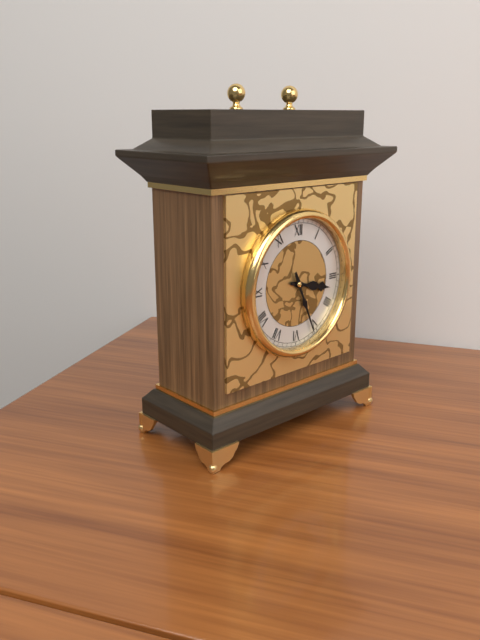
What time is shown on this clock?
3:26
